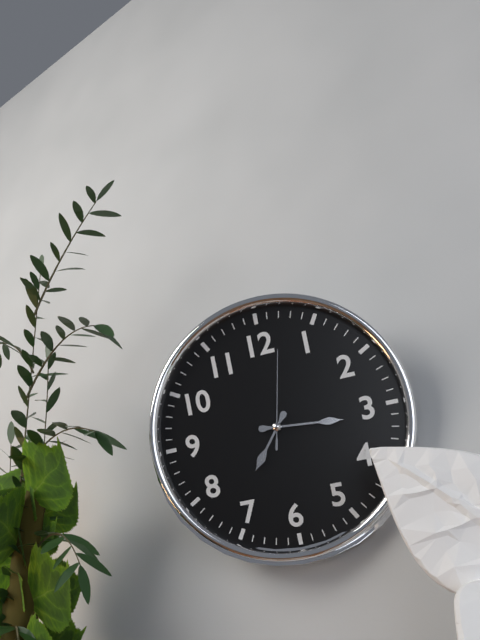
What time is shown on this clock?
7:16:02
